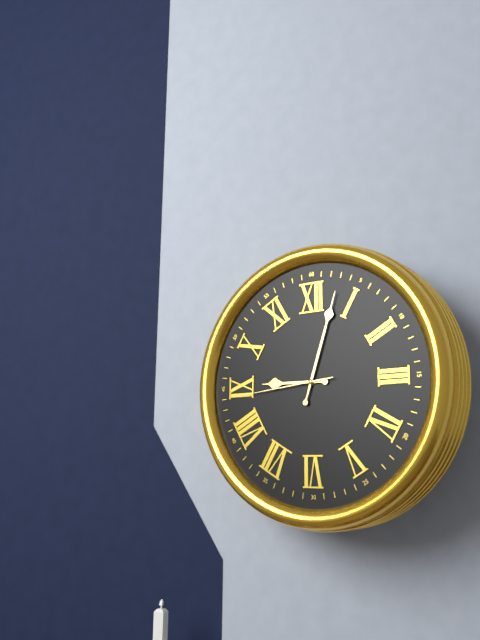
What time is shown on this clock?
9:03:44
